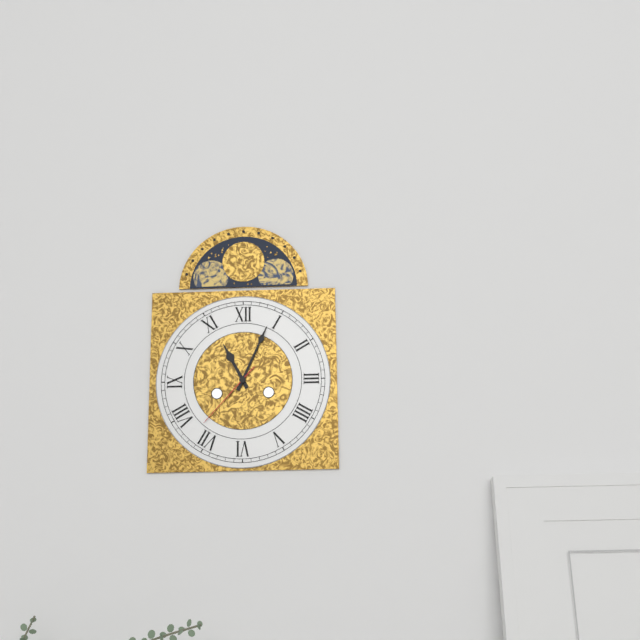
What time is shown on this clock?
11:04:37
